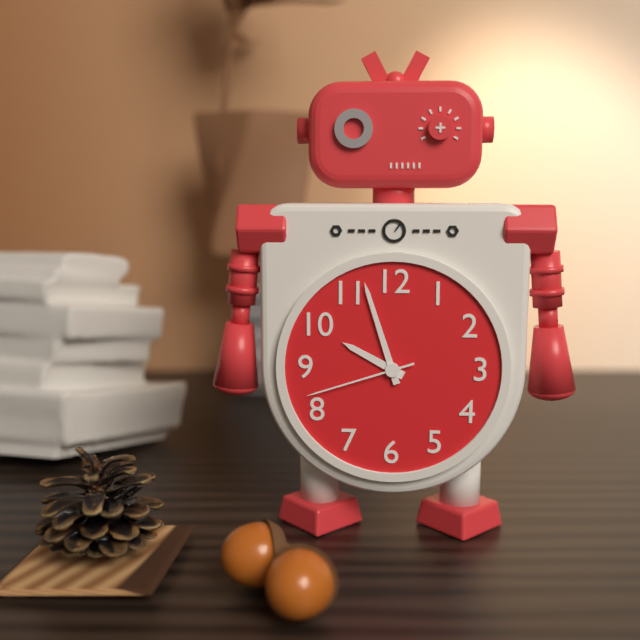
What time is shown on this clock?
9:57:42
